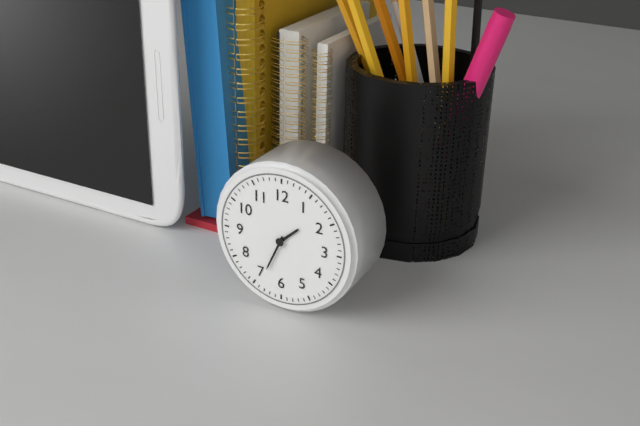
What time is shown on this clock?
1:34
